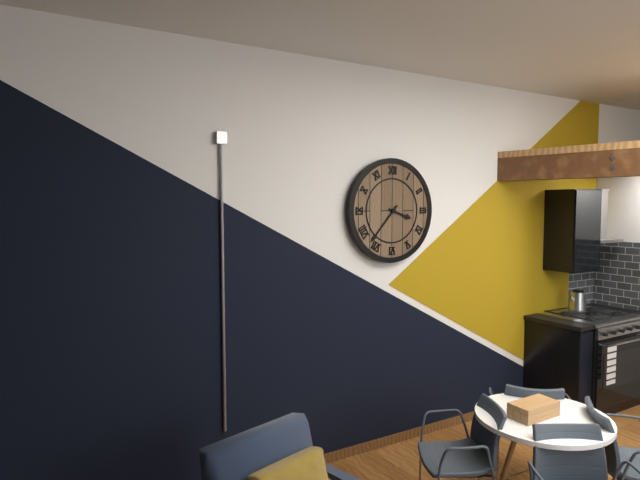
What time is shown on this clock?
3:37
